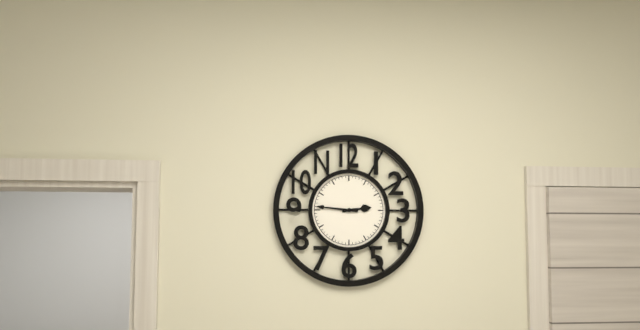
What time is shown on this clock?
2:46
